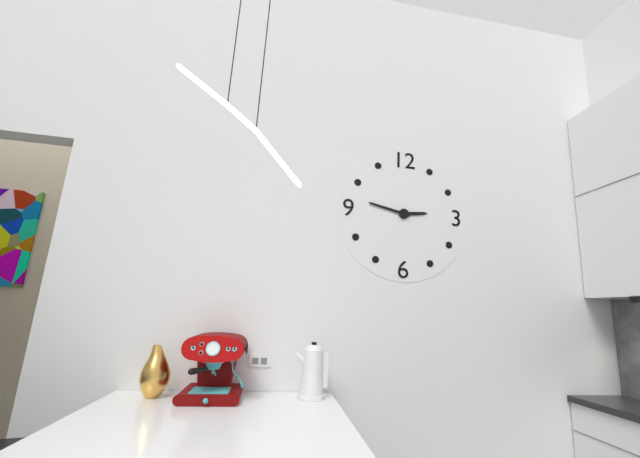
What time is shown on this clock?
2:47
